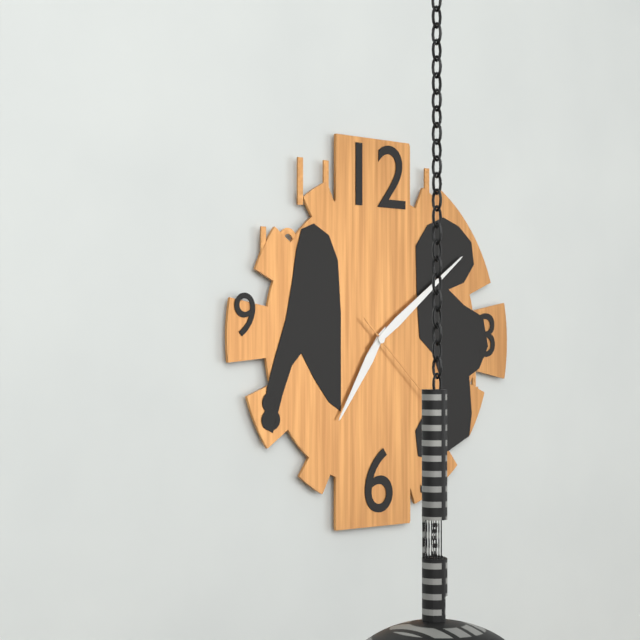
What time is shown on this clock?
7:09
